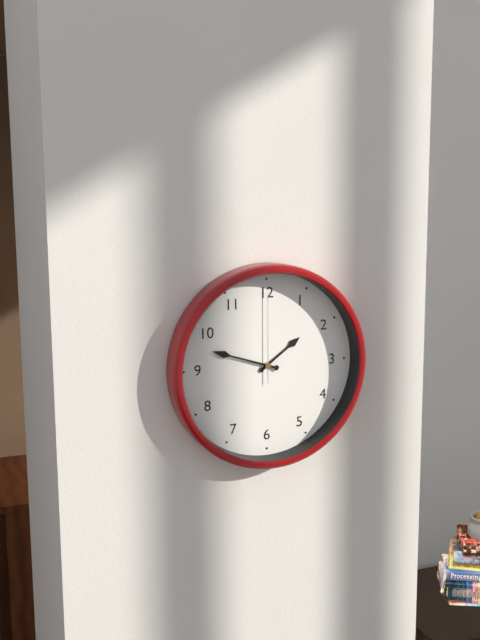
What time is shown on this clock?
1:48:00
